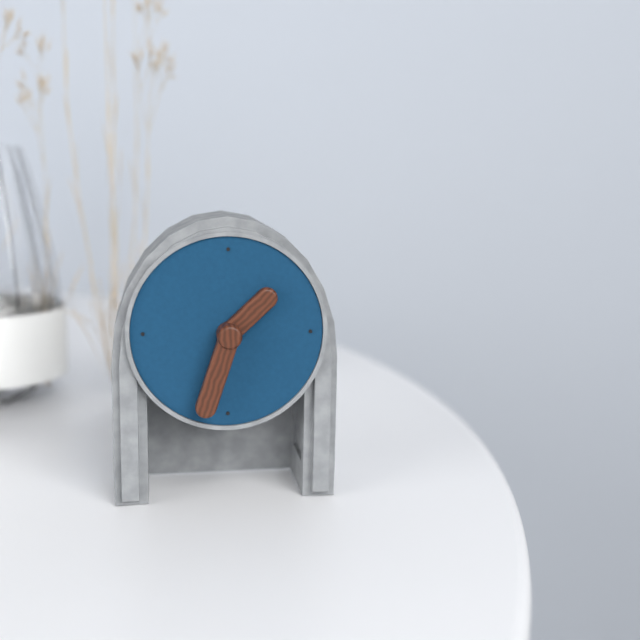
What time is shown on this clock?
1:33
